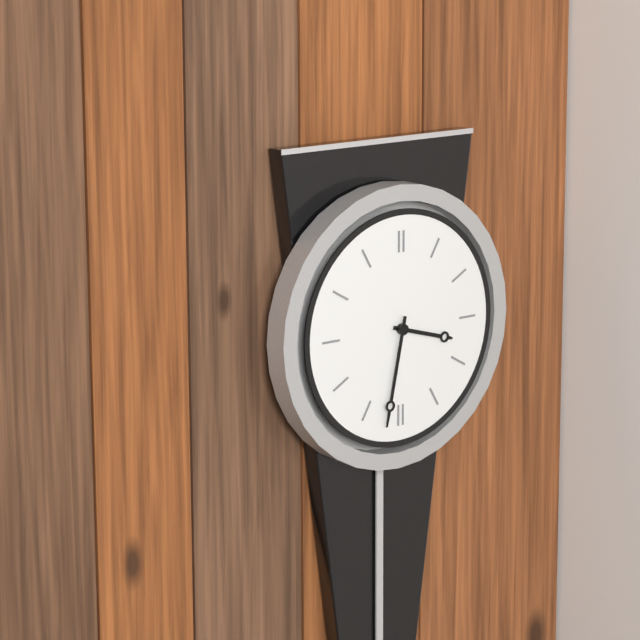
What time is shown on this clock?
3:32
